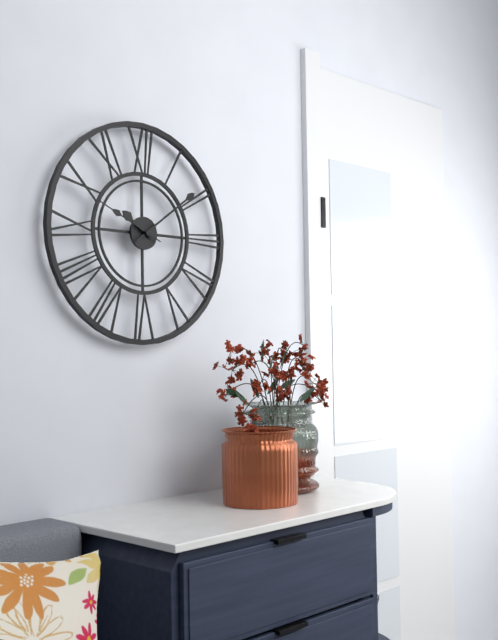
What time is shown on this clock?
10:09:49
